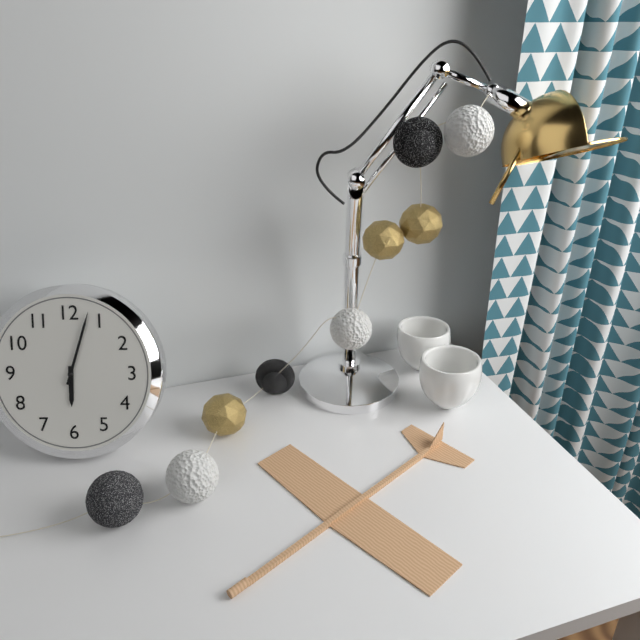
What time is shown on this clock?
6:03
